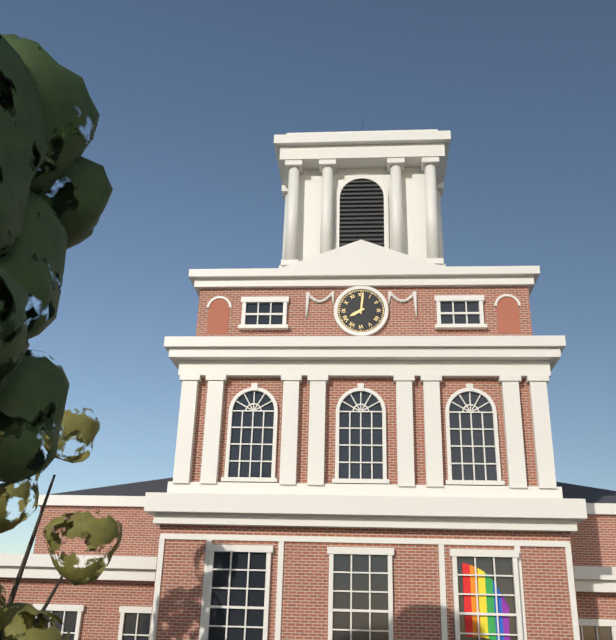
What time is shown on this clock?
8:01
